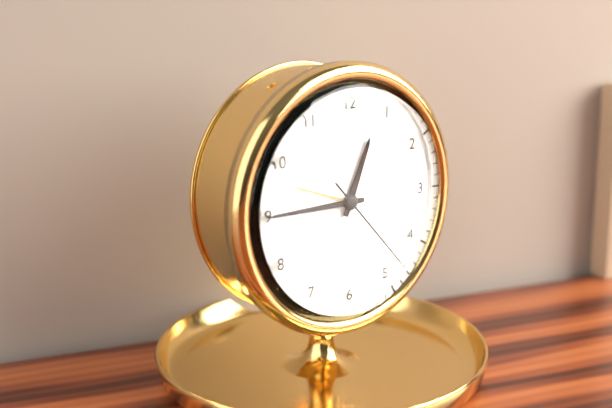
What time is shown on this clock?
12:45:23
